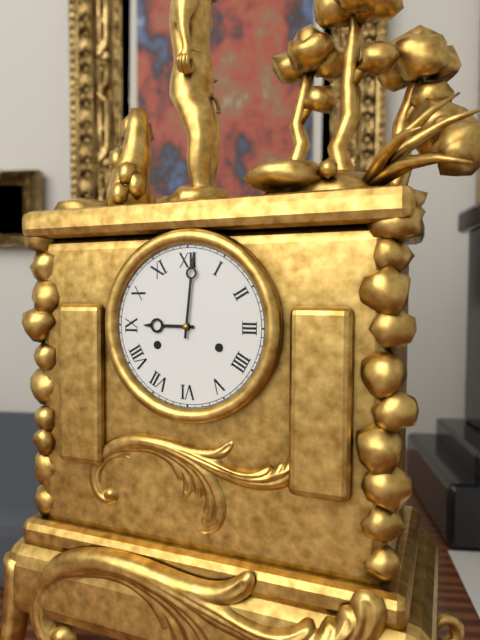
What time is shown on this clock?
9:01
